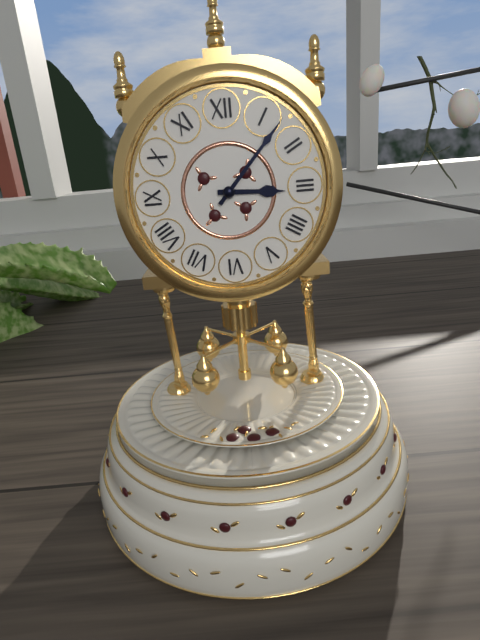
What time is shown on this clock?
3:07
